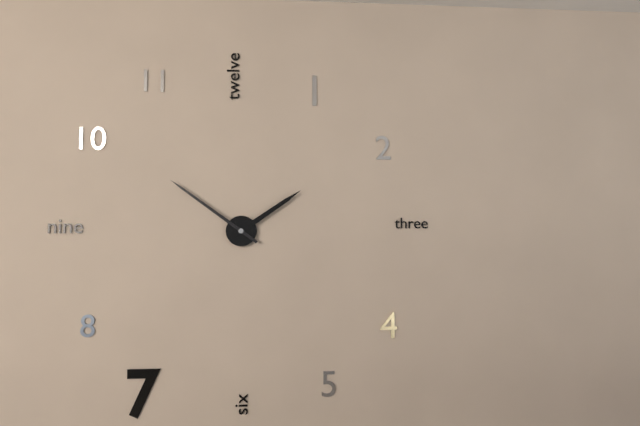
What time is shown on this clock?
1:51
